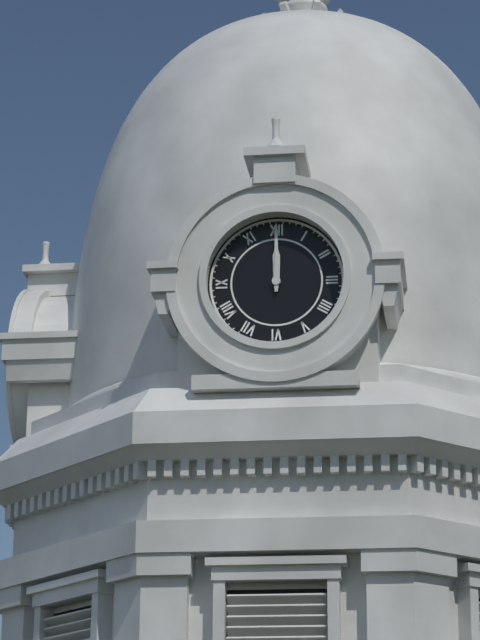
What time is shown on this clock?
12:00
